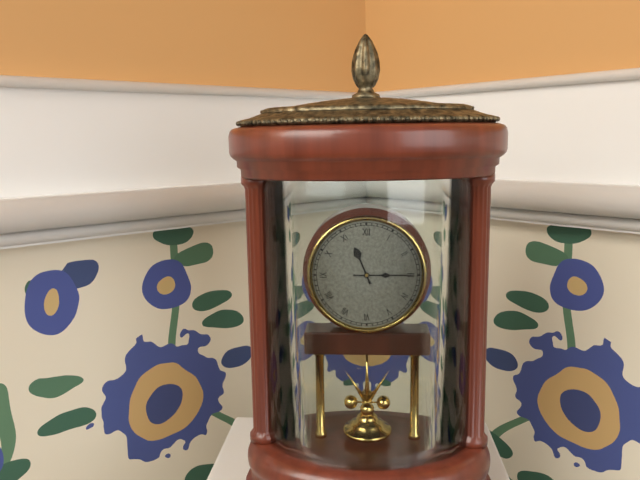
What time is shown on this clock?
11:15
